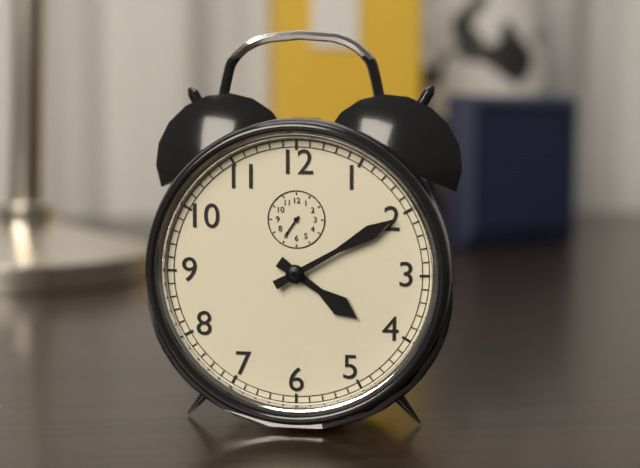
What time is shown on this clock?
4:10
